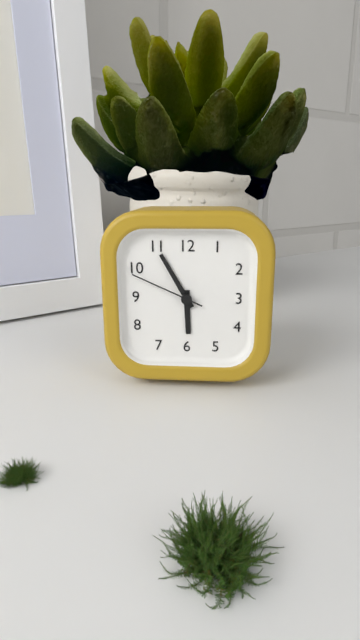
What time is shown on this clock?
5:55:49
